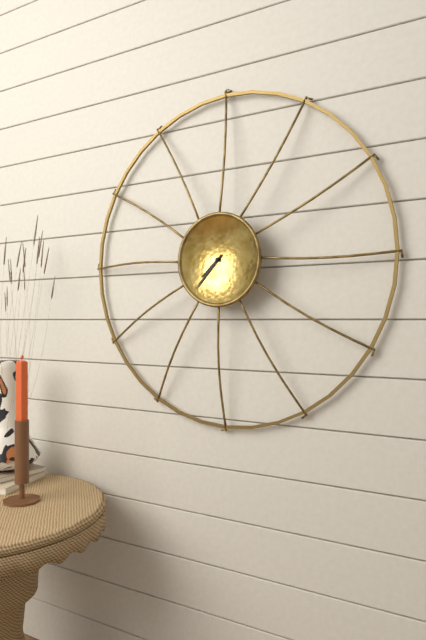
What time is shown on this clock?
7:37
